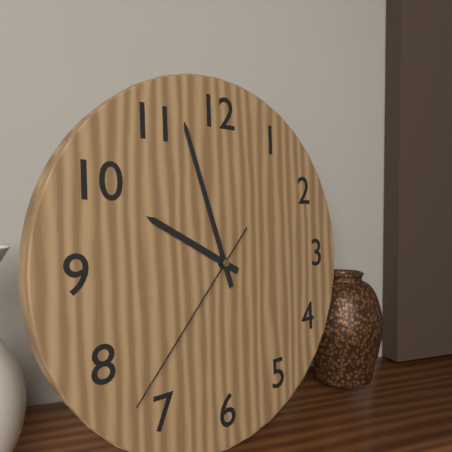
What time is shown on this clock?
9:57:37
